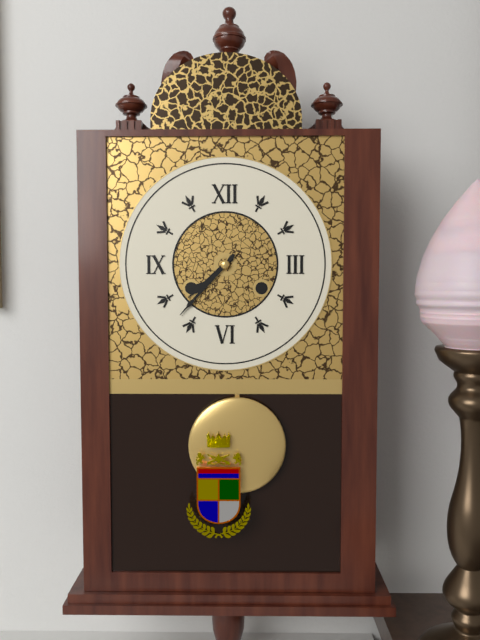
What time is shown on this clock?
7:37
